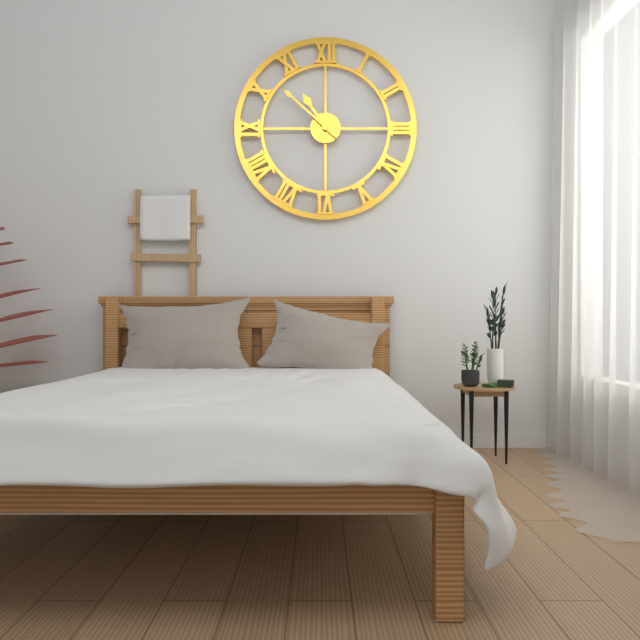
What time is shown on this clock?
10:52
